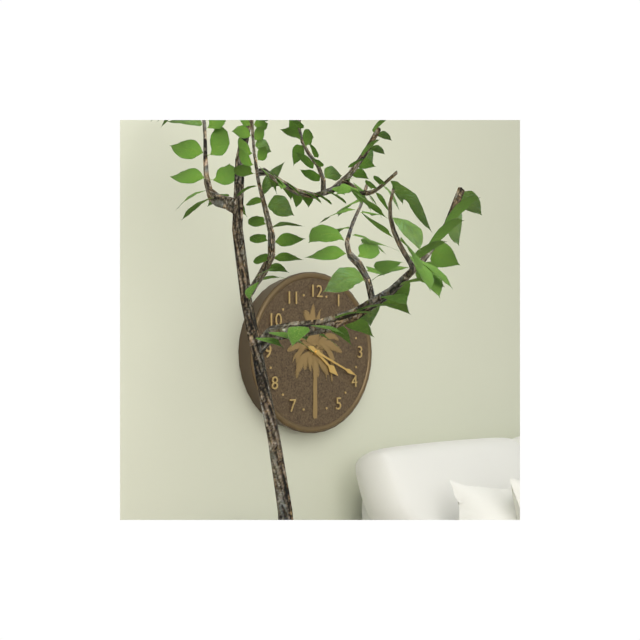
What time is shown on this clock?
4:19
